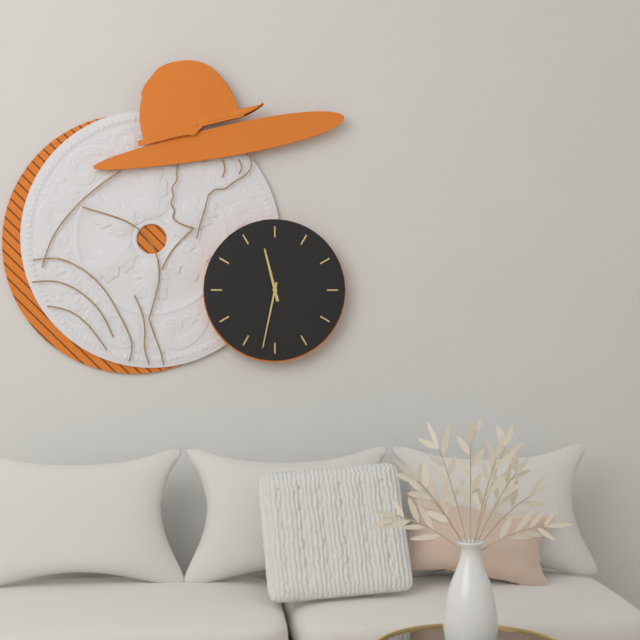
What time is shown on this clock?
11:32
